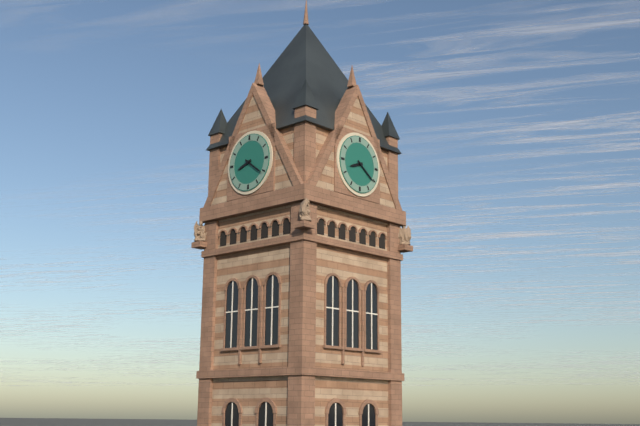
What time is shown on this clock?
8:21
